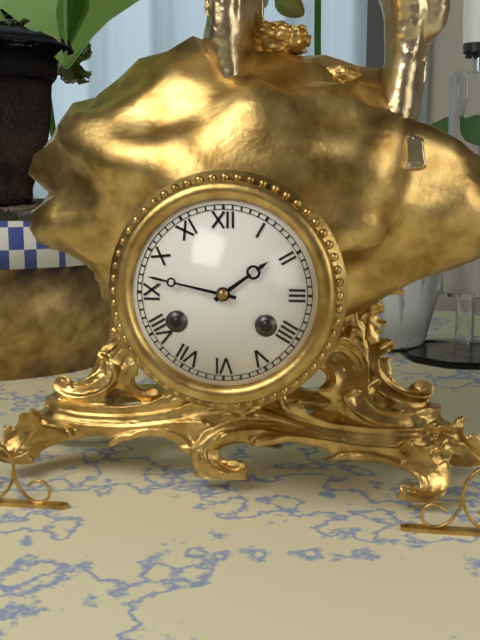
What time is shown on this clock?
1:47
